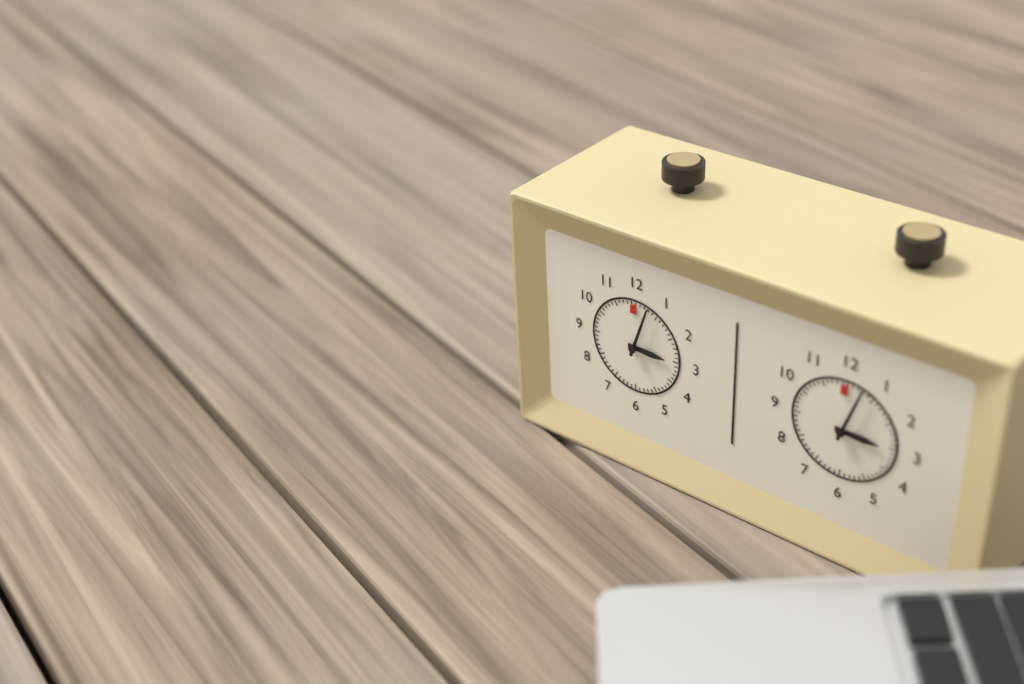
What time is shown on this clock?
3:03
